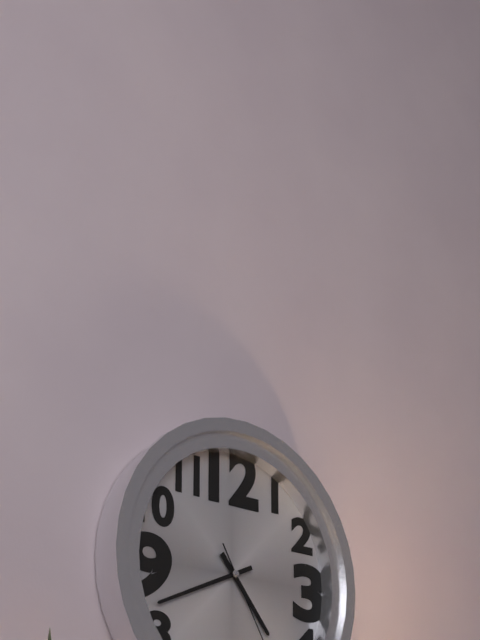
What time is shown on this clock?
4:41
